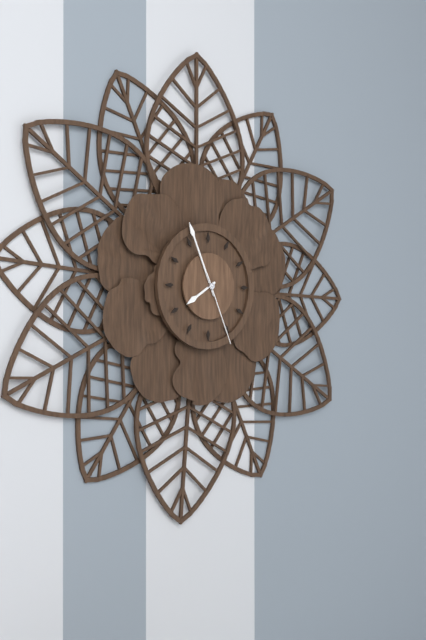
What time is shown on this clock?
7:56:26
